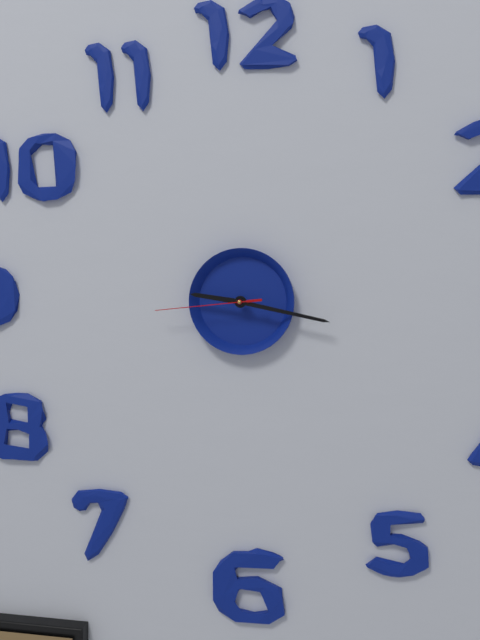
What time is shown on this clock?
9:17:44
